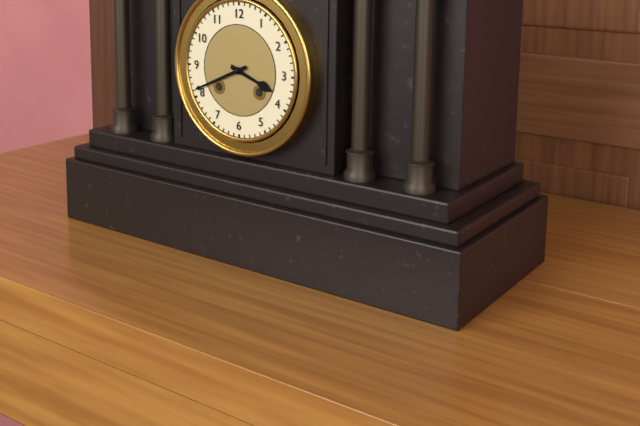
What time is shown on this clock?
3:41
